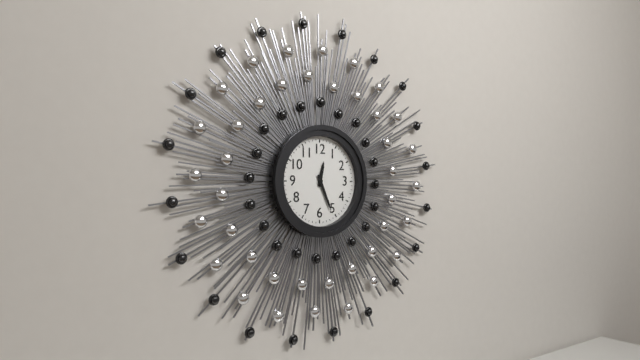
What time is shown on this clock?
12:26
